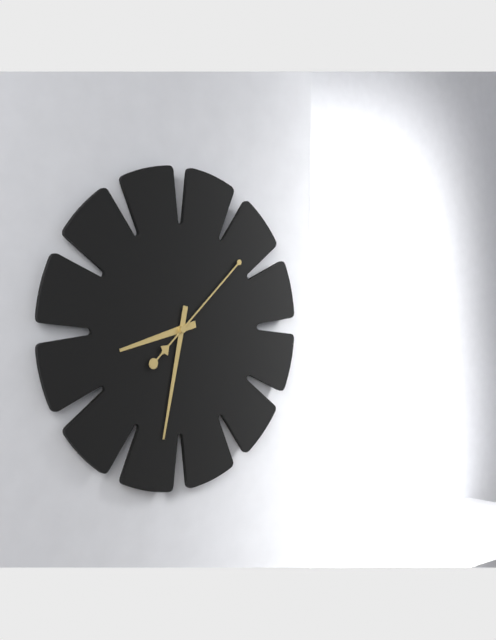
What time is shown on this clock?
8:32:08
